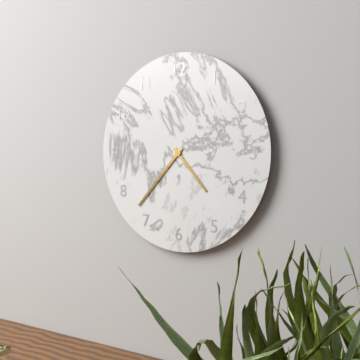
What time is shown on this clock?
4:37
